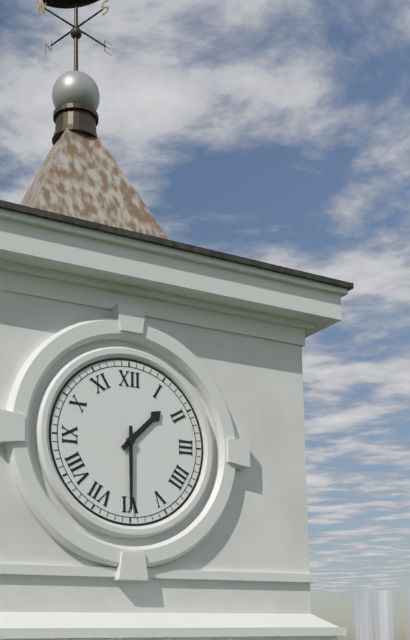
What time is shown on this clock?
1:30
